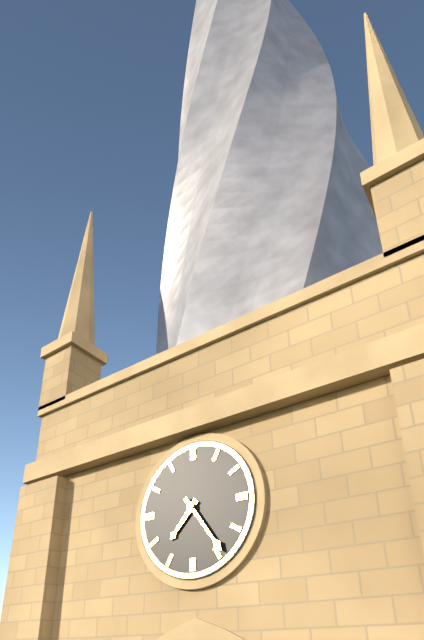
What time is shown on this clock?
7:24
